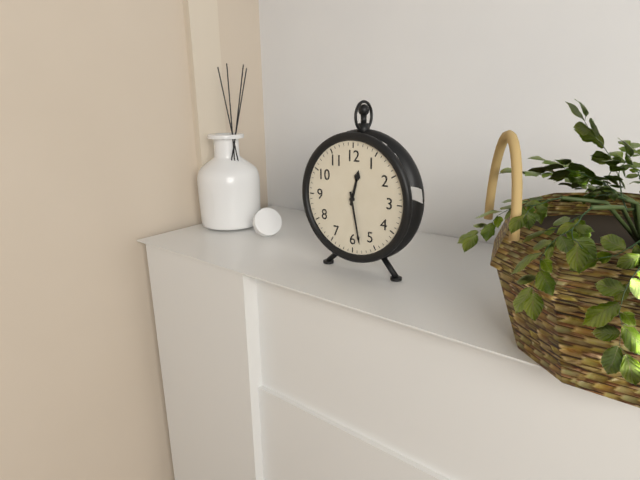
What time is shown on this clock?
12:28
